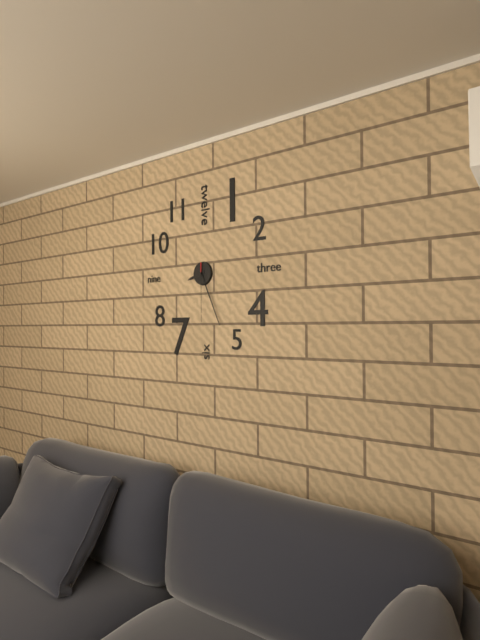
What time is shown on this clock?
8:26:30
